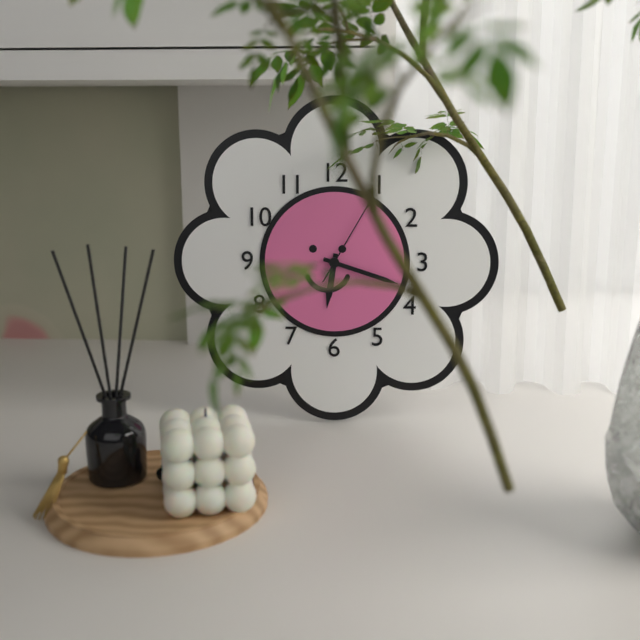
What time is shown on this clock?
6:18:05
